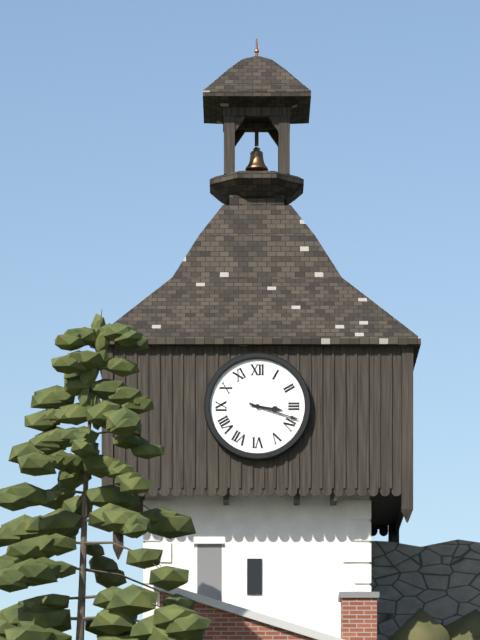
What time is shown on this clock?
3:18
